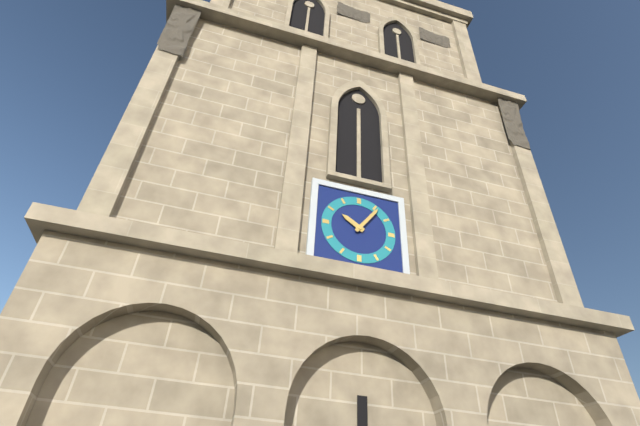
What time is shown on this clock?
10:06
